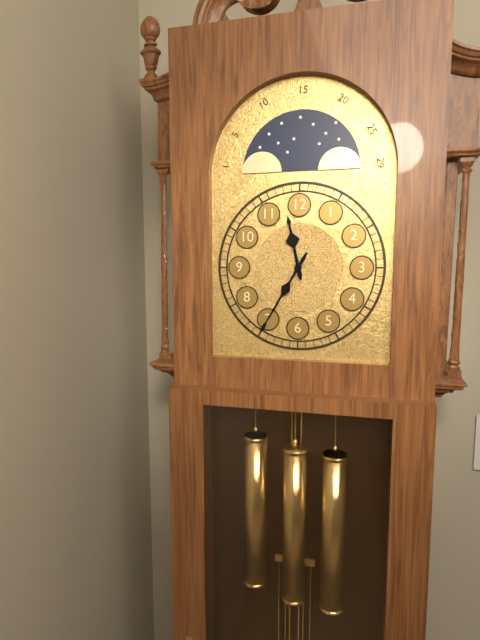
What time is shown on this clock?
11:35
